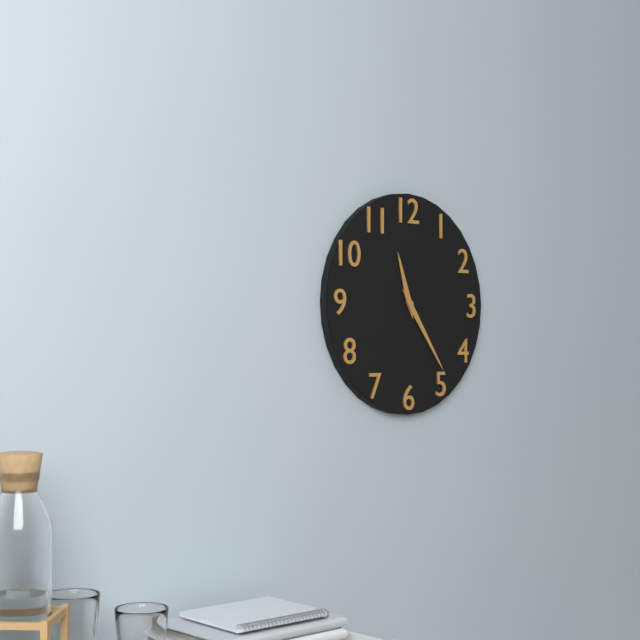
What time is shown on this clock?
11:24
